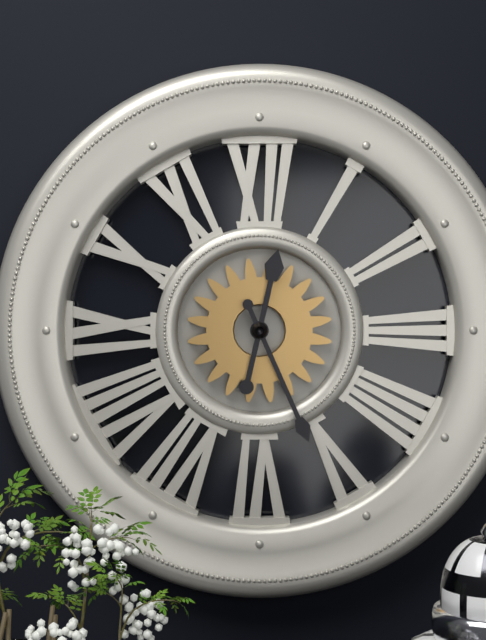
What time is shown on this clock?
12:26
